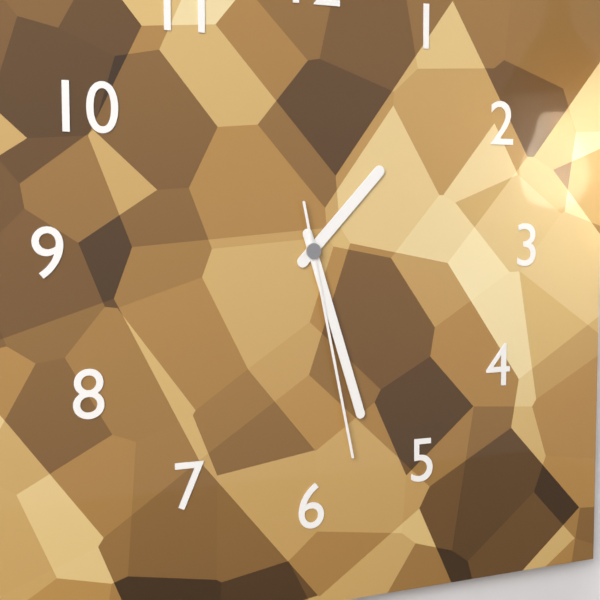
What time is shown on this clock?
1:27:28
